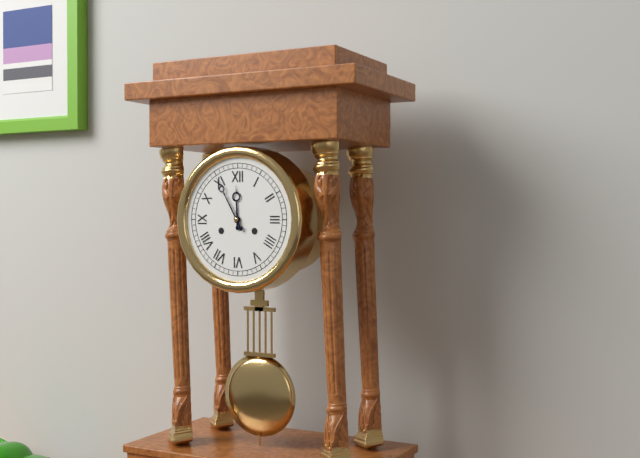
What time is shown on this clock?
11:55
